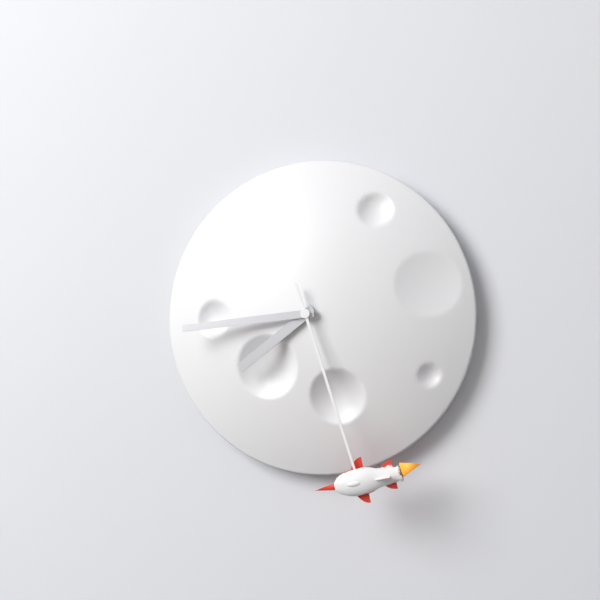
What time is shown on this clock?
7:44:27
